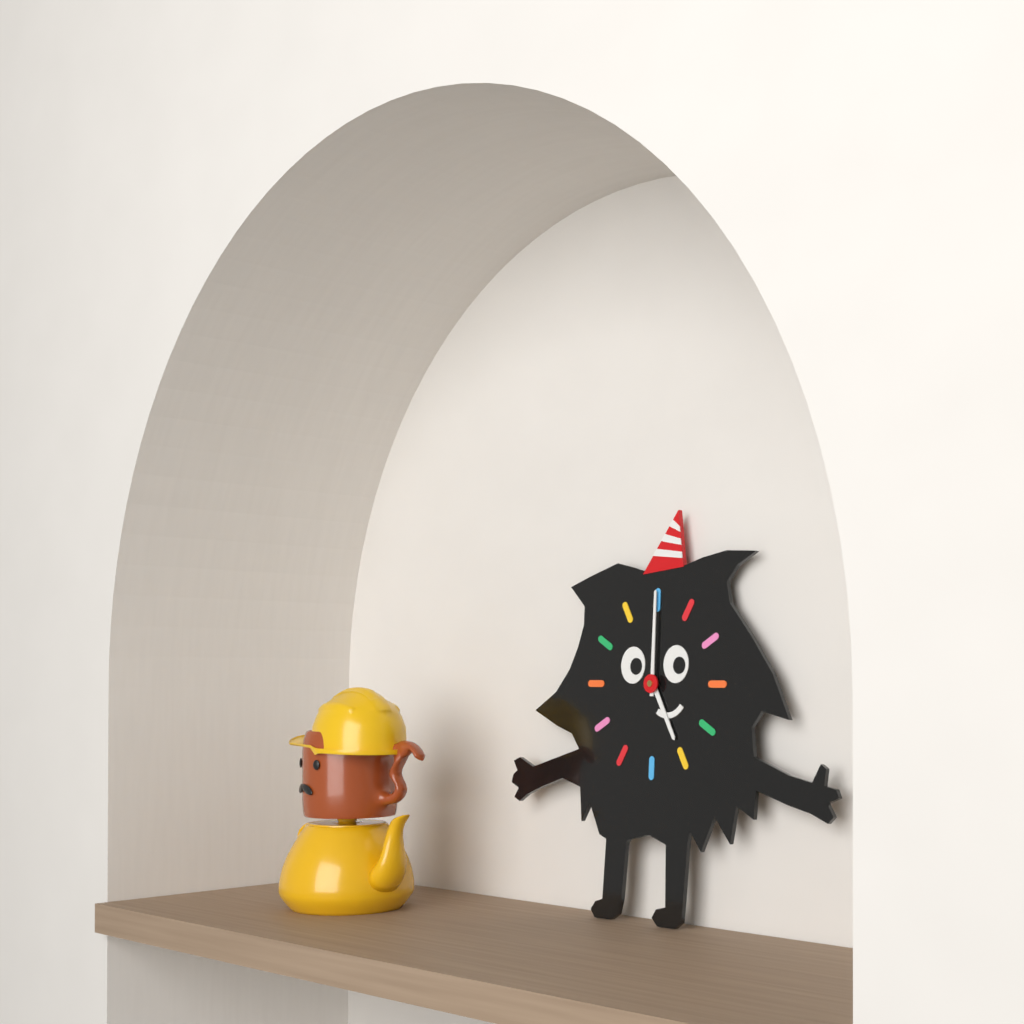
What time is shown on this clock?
5:00
